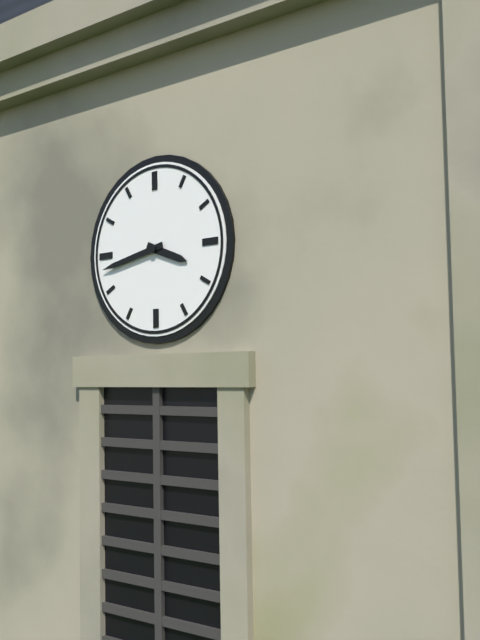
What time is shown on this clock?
3:43
